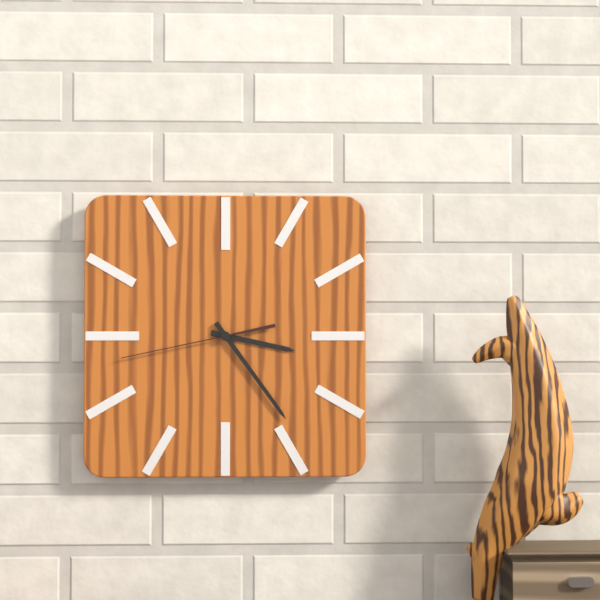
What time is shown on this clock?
3:24:43
